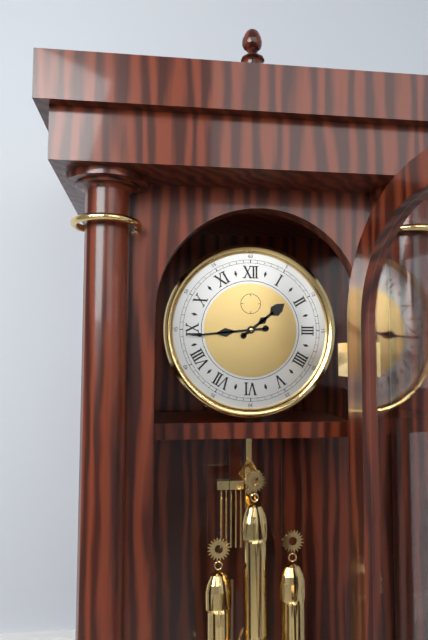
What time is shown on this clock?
1:44
